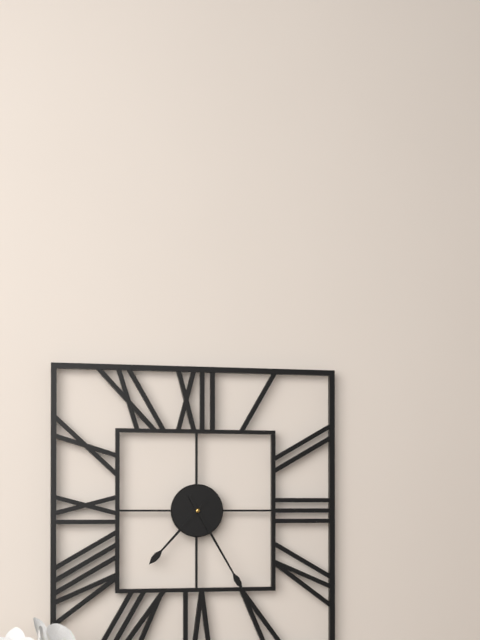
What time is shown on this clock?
7:25
